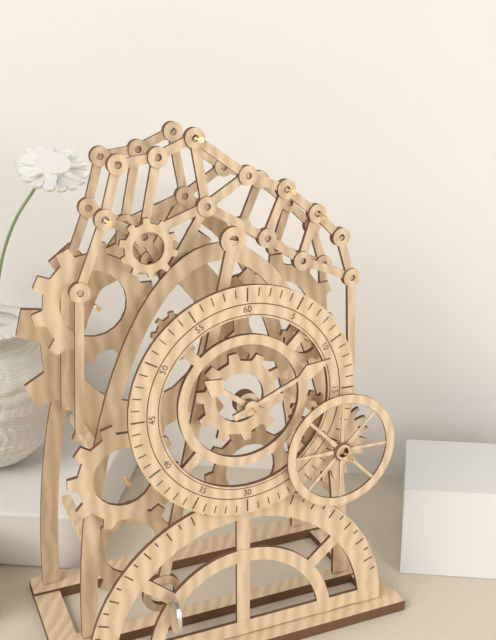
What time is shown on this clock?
10:11
